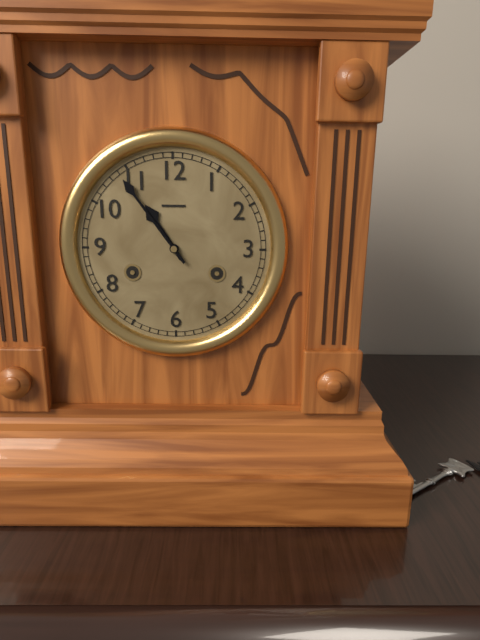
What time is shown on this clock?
10:54
